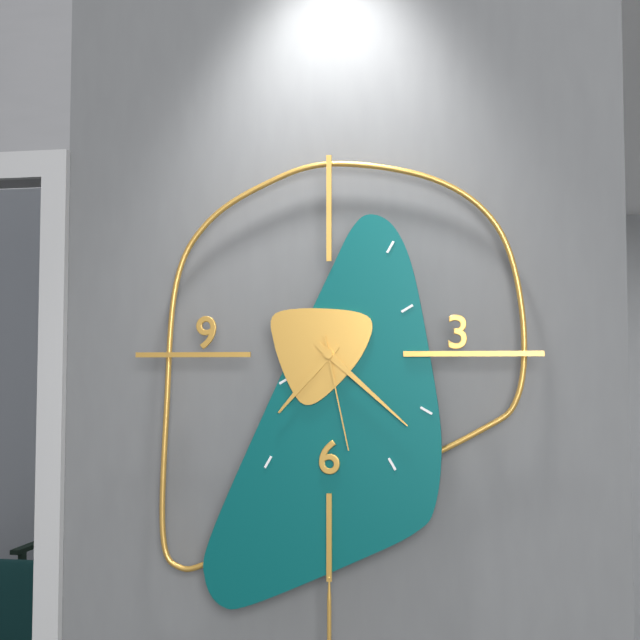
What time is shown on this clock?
7:22:28
